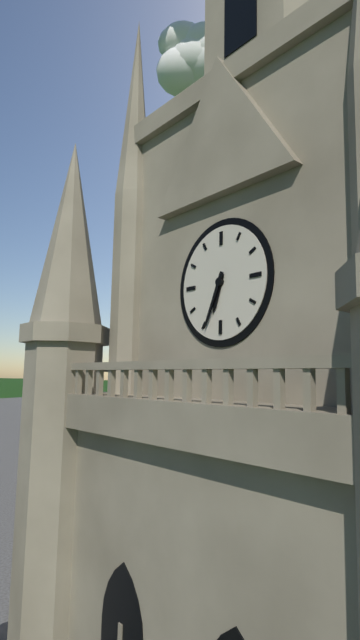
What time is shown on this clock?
6:34
